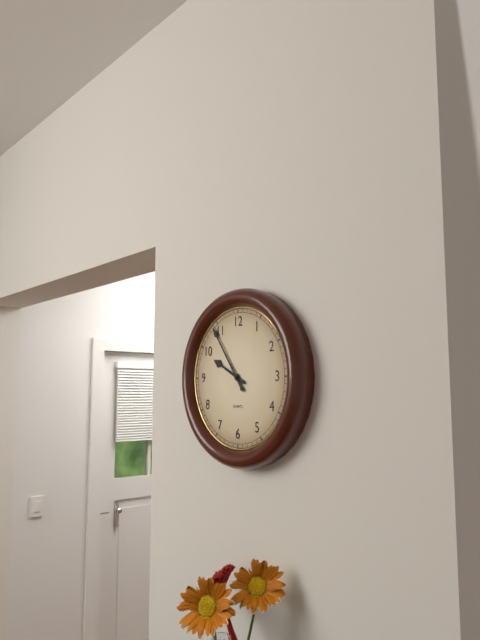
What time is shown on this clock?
9:54
